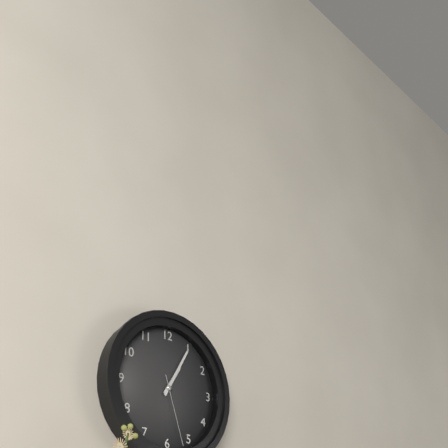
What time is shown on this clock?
1:05:27
